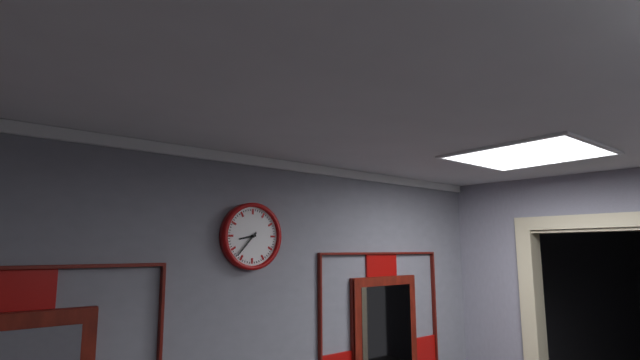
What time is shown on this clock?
8:37
